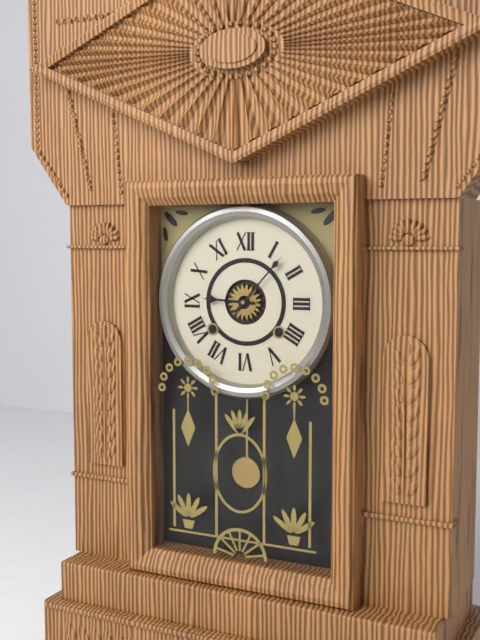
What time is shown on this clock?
9:07
